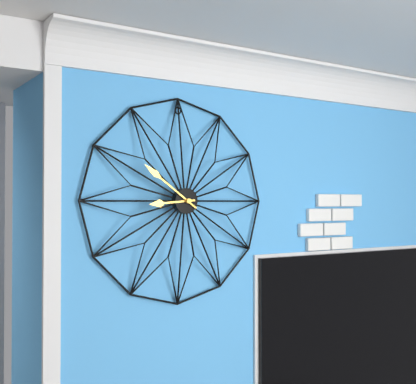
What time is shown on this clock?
8:51
